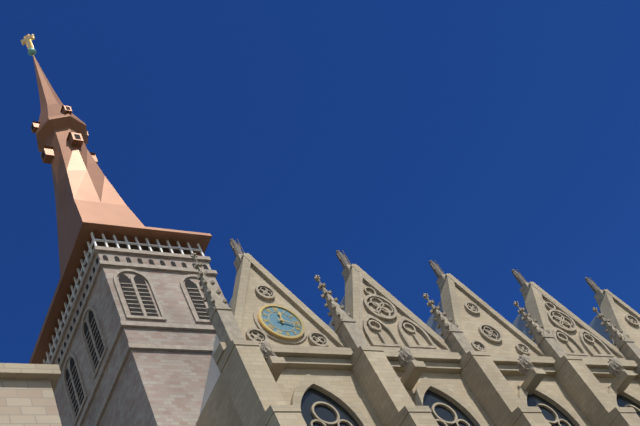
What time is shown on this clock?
12:18
